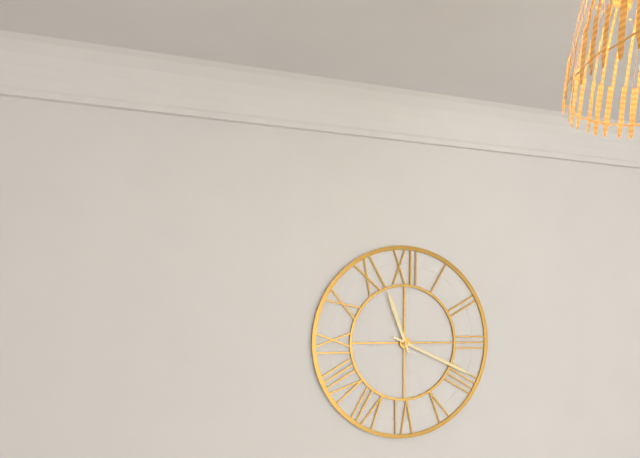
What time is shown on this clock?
11:19
